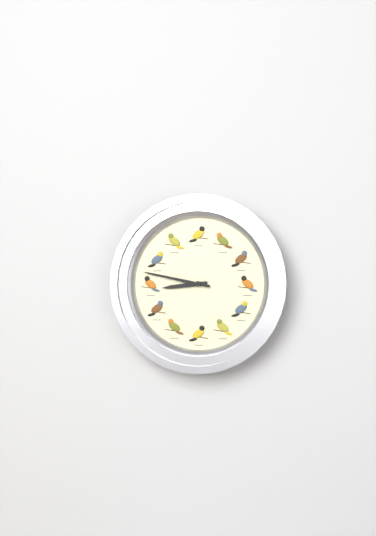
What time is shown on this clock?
8:47
